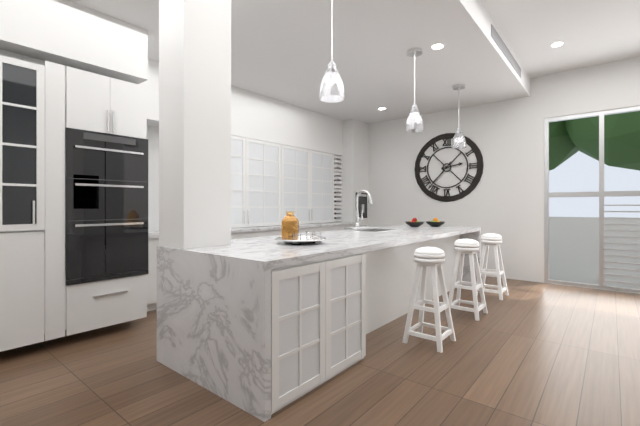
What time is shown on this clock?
2:37
